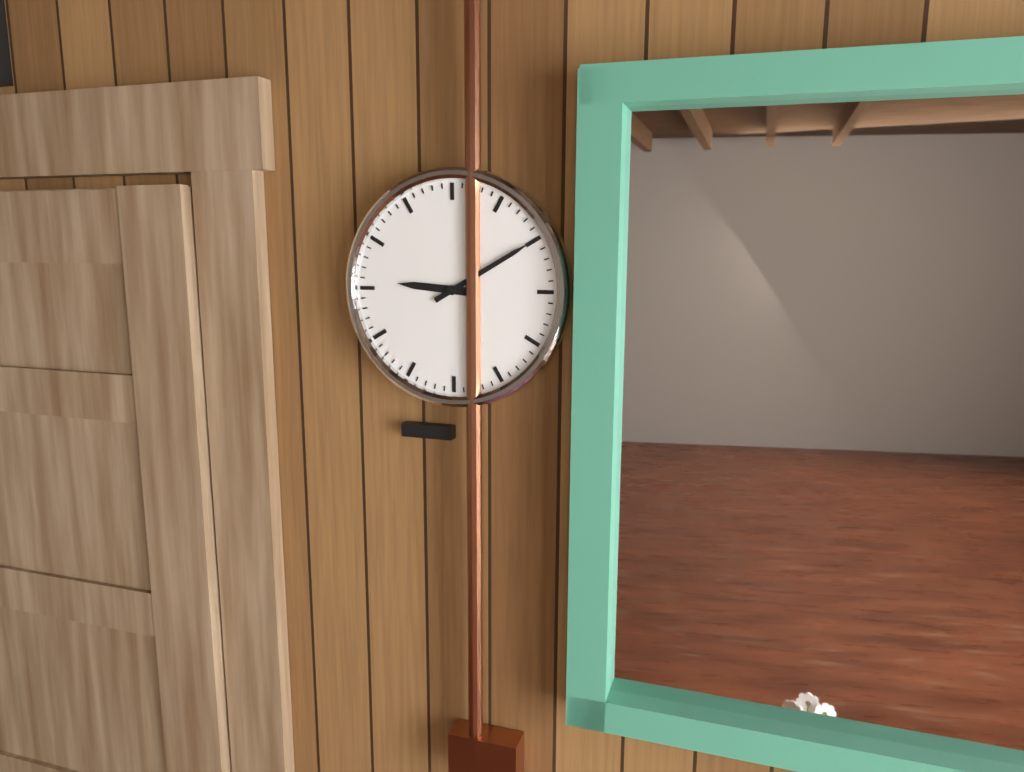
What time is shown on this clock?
9:10
